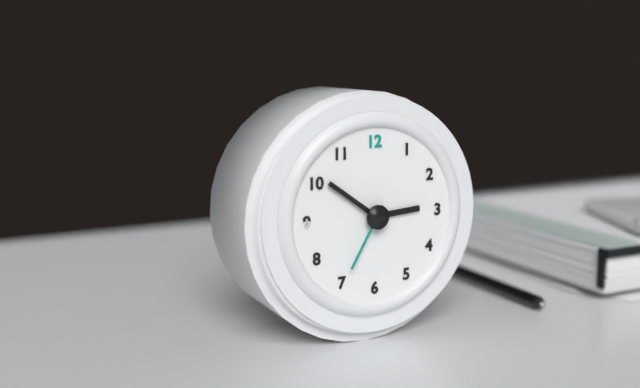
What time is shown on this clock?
2:51:35
